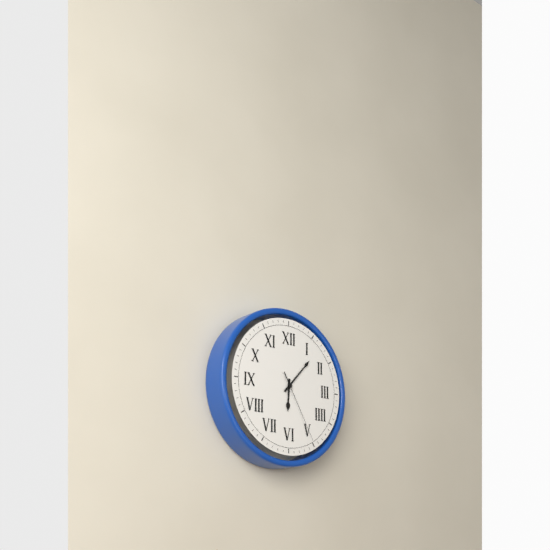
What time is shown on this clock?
6:07:25
